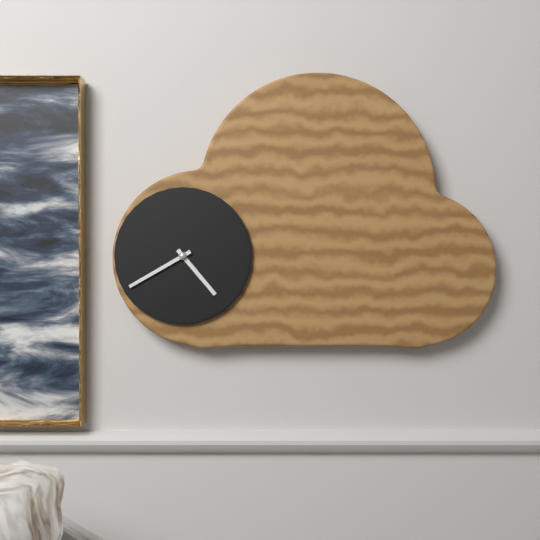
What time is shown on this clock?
4:40
